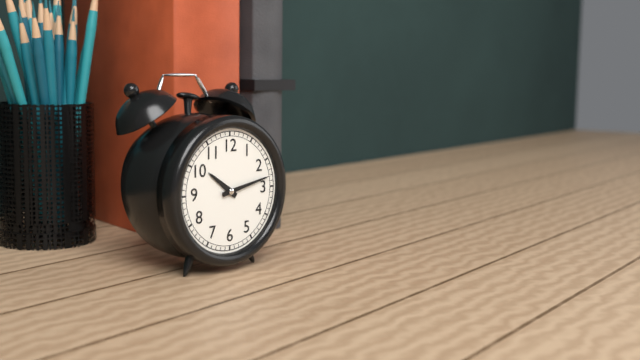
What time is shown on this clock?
10:13
